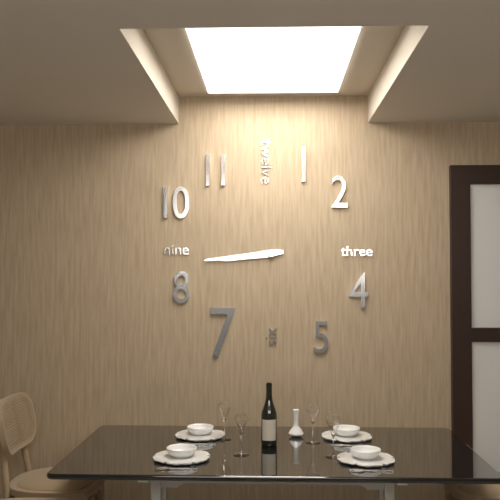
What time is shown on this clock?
8:44
